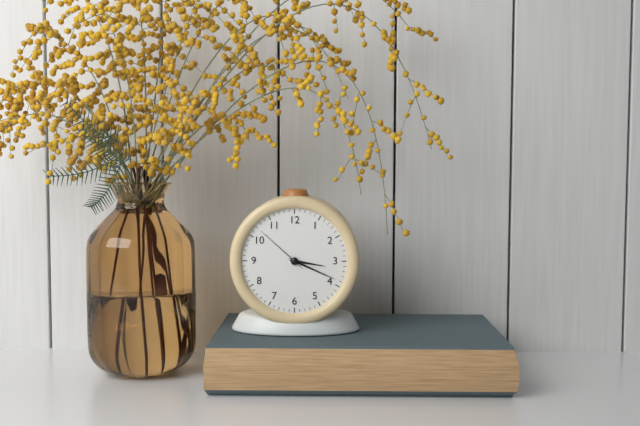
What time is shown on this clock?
3:19:52
